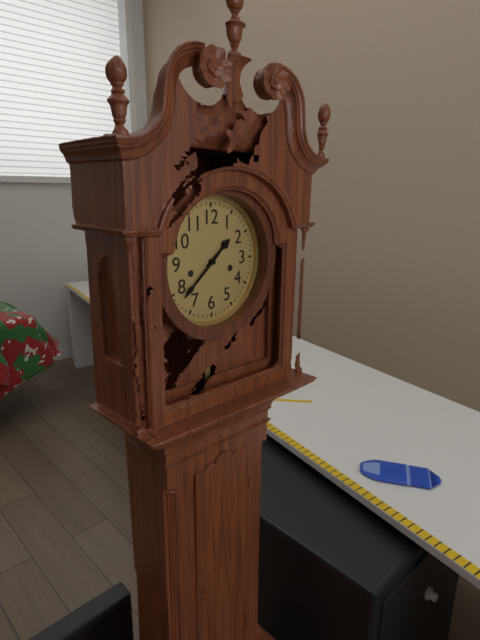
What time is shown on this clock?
1:38
